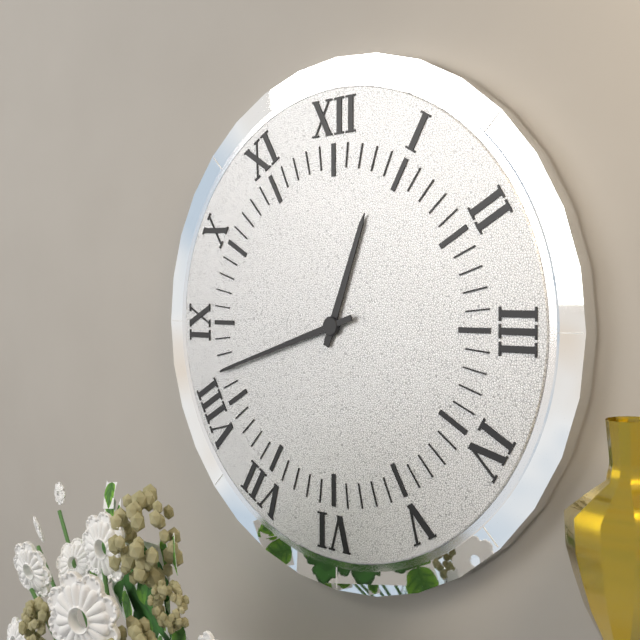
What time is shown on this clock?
12:42
